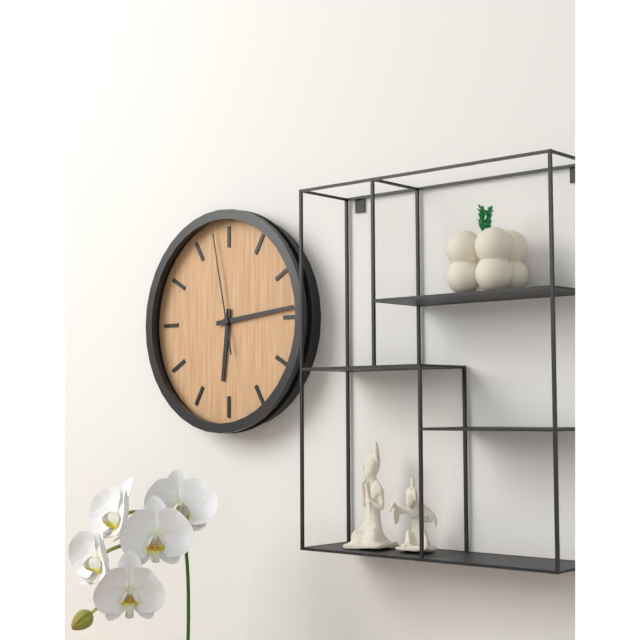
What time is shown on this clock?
6:14:58
